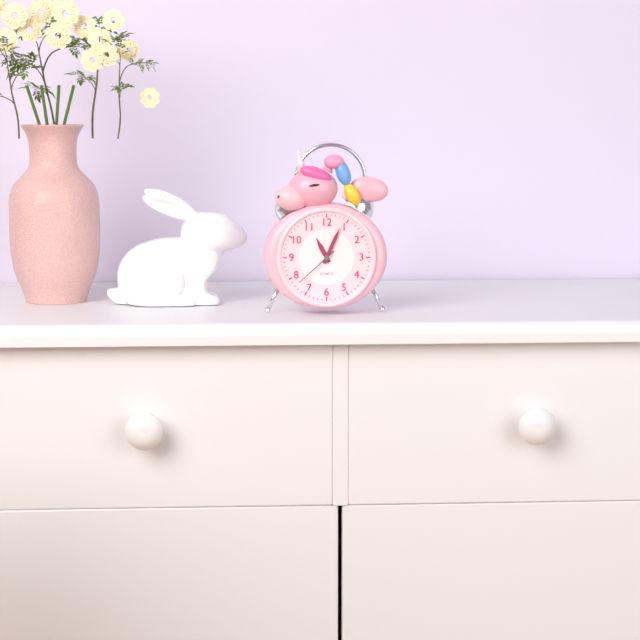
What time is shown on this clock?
11:04
